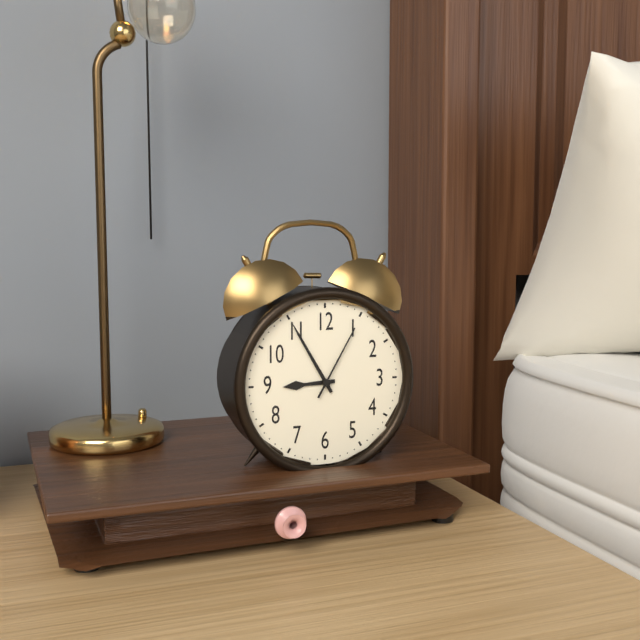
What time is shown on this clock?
8:55:05
